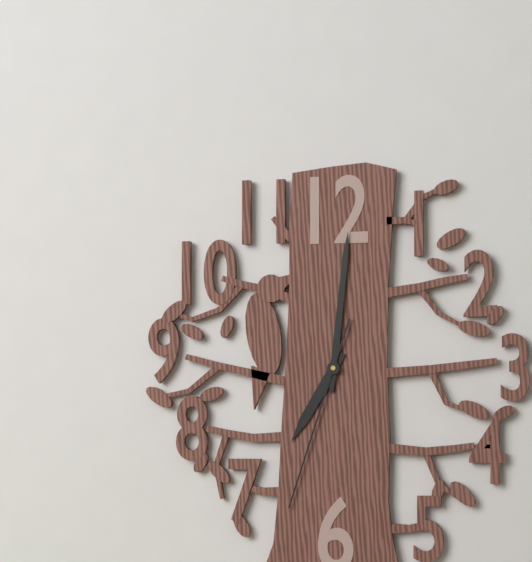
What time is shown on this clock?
7:01:33
